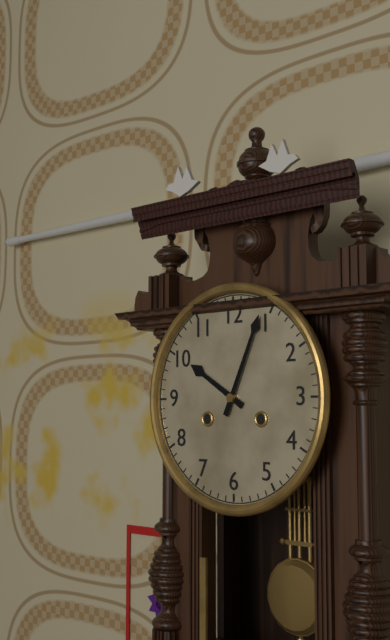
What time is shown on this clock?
10:04
